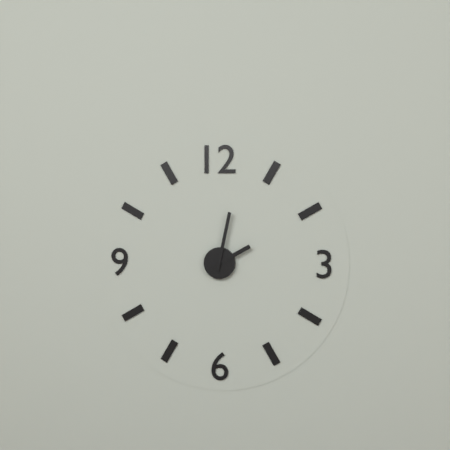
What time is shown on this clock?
2:02
